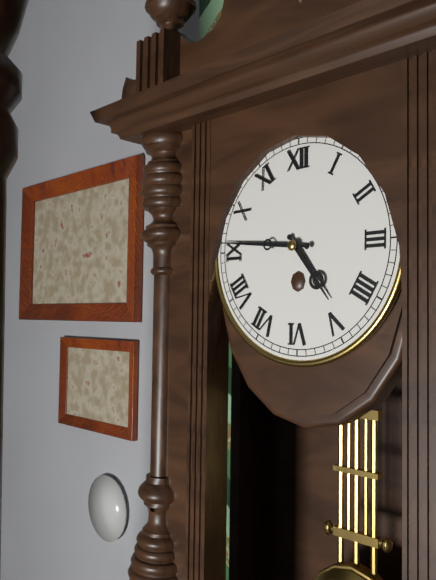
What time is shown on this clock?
4:46
